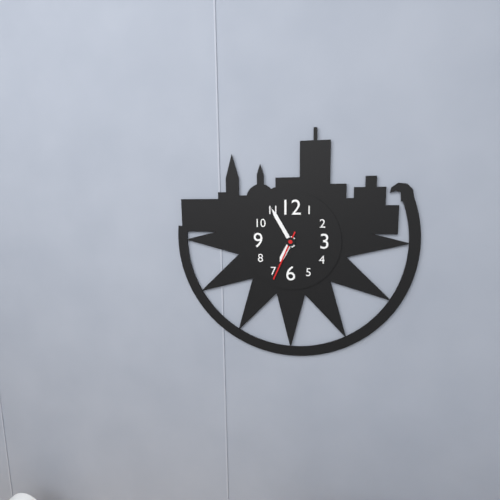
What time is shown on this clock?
6:55:34
